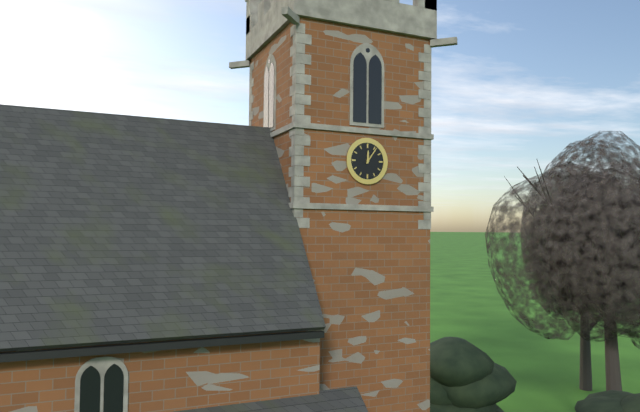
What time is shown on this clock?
12:06
